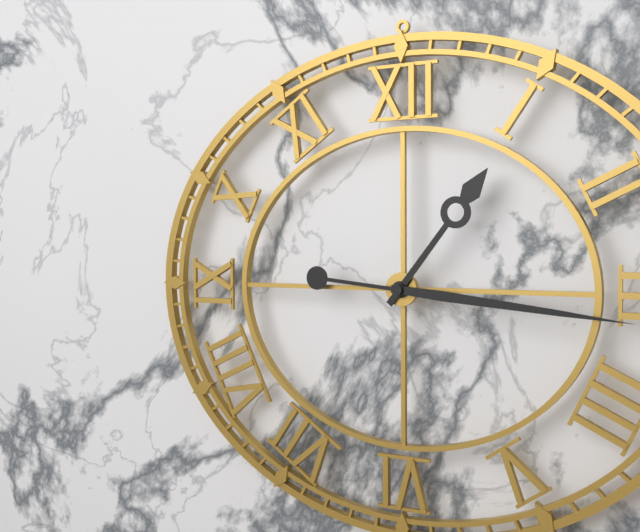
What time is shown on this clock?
1:16
